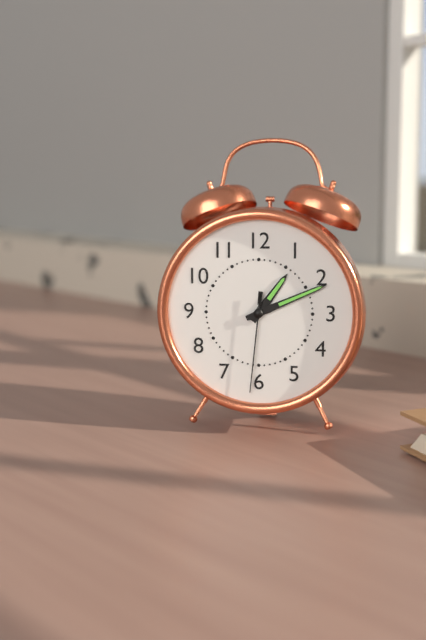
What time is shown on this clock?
1:11:31
